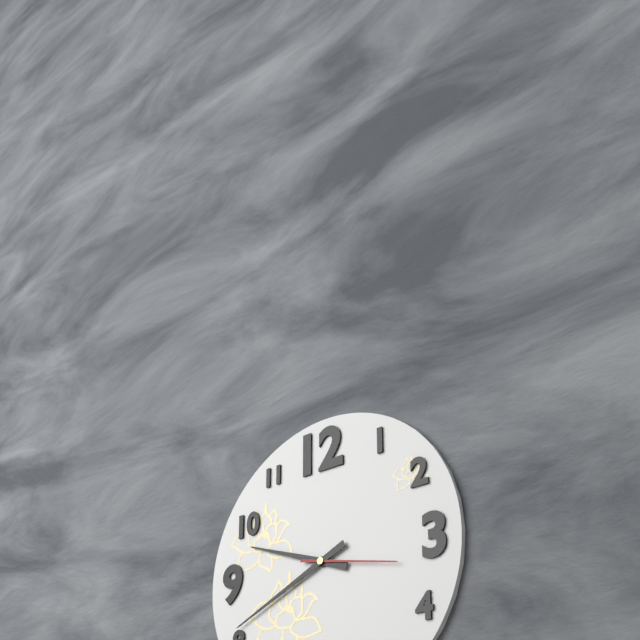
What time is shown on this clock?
9:41:17
